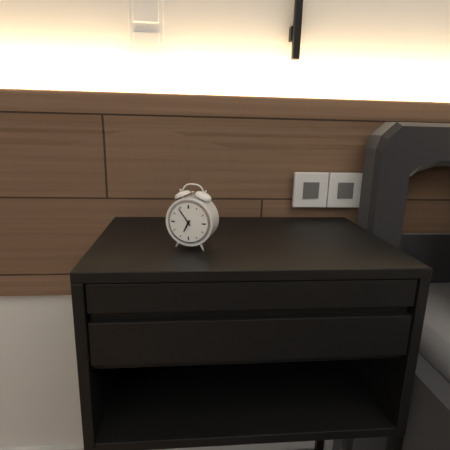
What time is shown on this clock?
6:54
